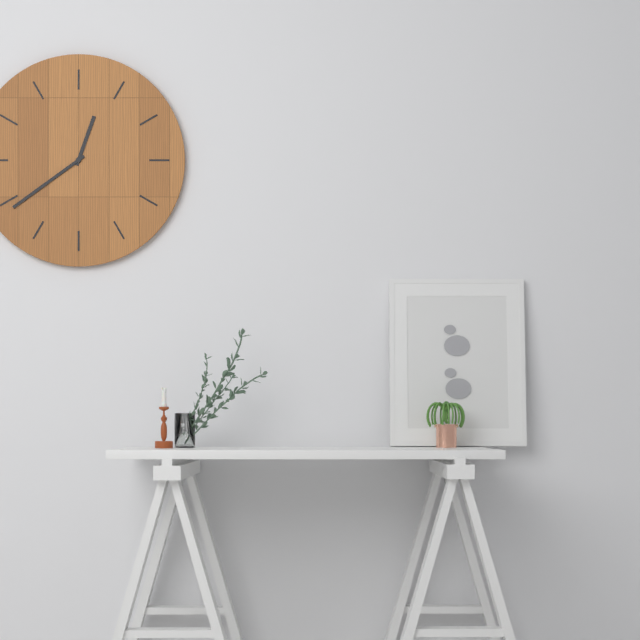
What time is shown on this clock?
12:39
